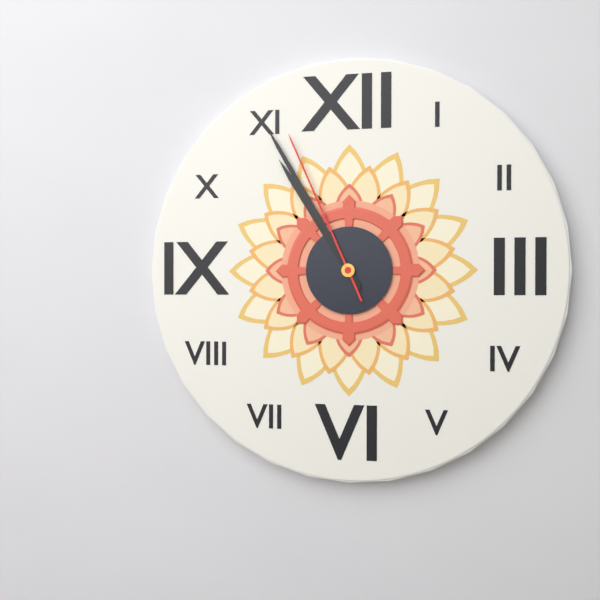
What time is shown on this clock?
10:55:56
